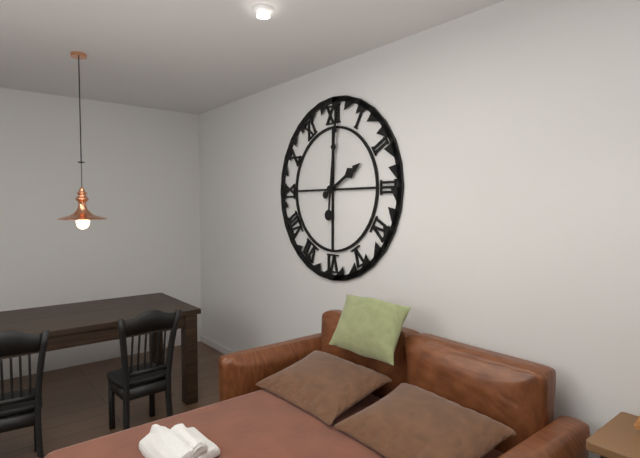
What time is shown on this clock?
2:01
